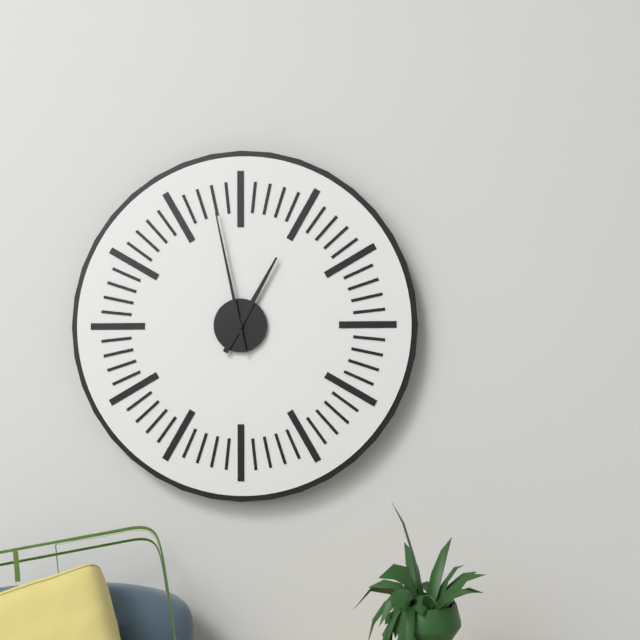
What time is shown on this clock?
12:58
